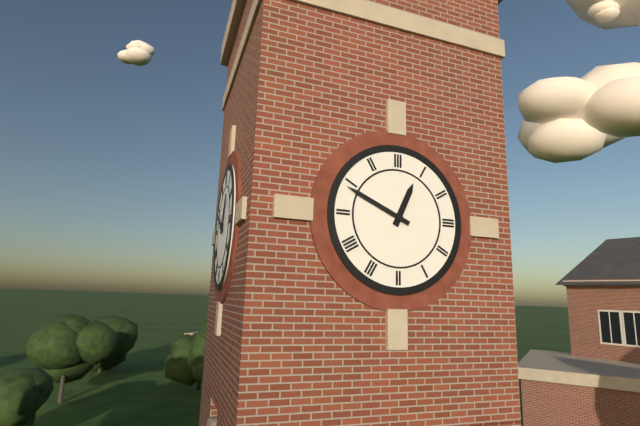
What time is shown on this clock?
12:49
